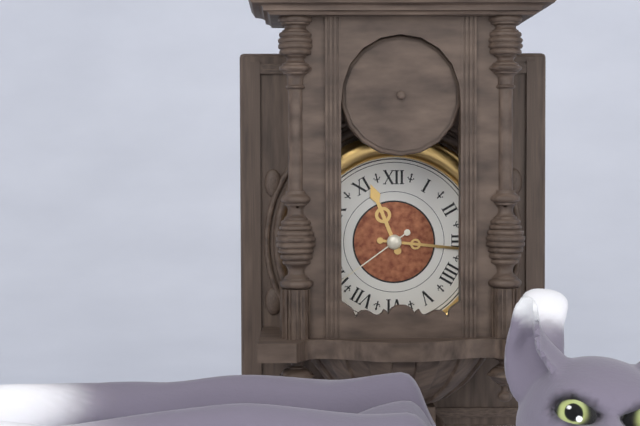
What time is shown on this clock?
11:16:39
